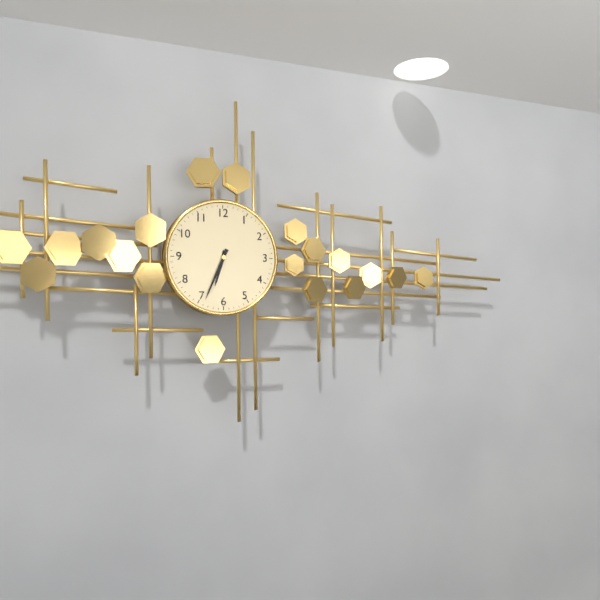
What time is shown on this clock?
6:34
